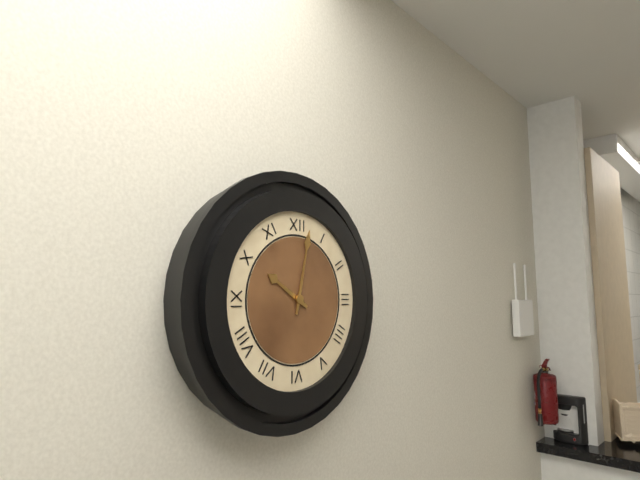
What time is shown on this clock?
10:02
